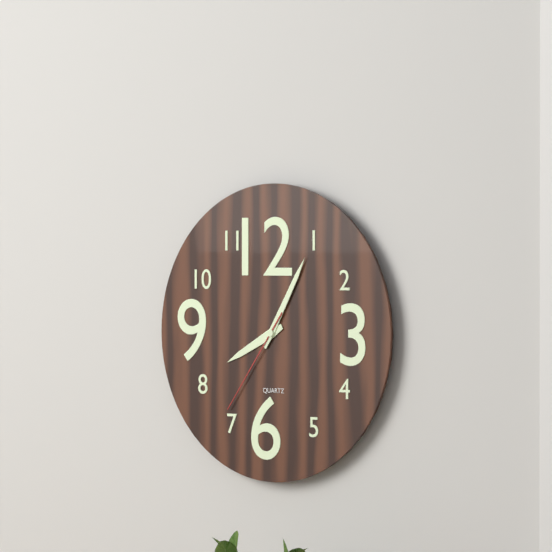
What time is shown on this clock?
8:05:36
